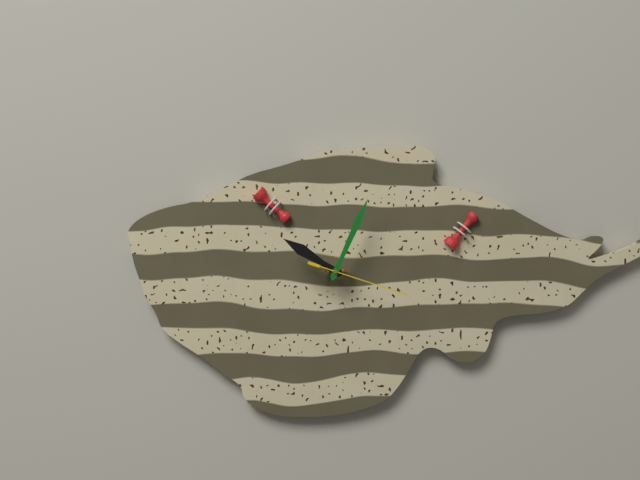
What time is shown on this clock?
10:04:18
